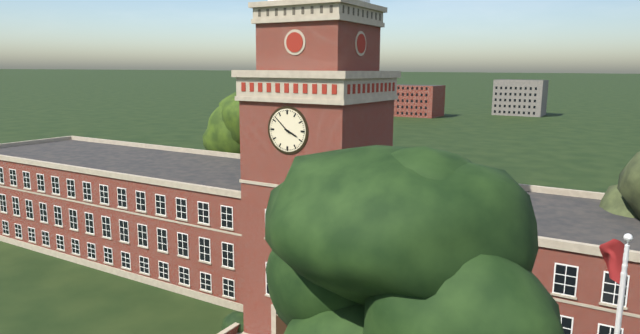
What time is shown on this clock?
3:52
